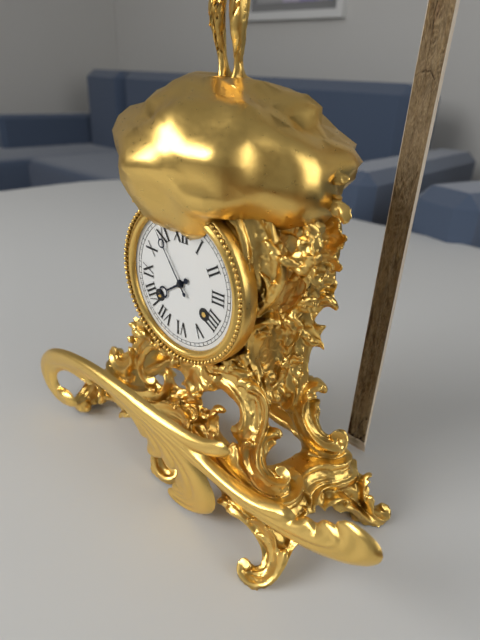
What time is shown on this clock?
7:54
